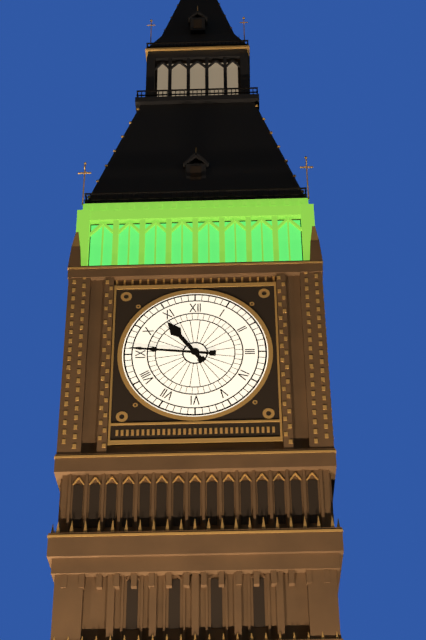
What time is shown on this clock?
10:46
